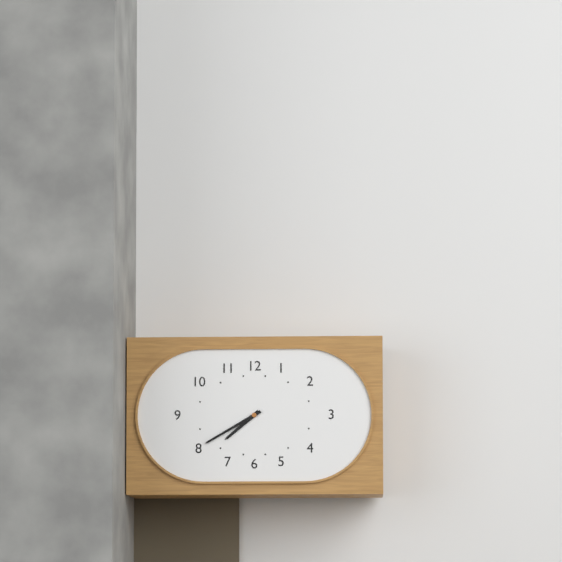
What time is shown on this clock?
7:40
